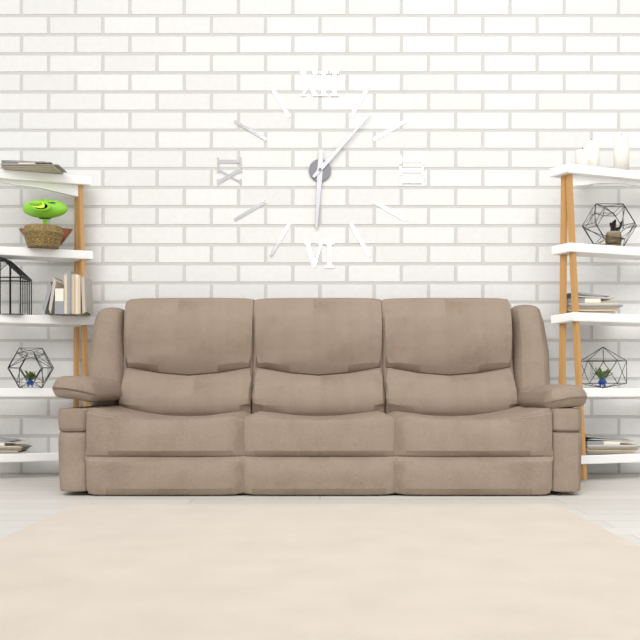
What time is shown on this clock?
6:07
